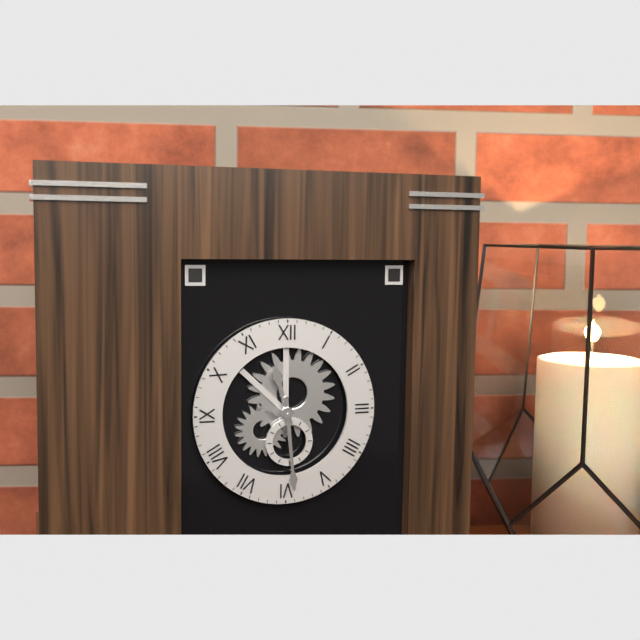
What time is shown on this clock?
11:29
